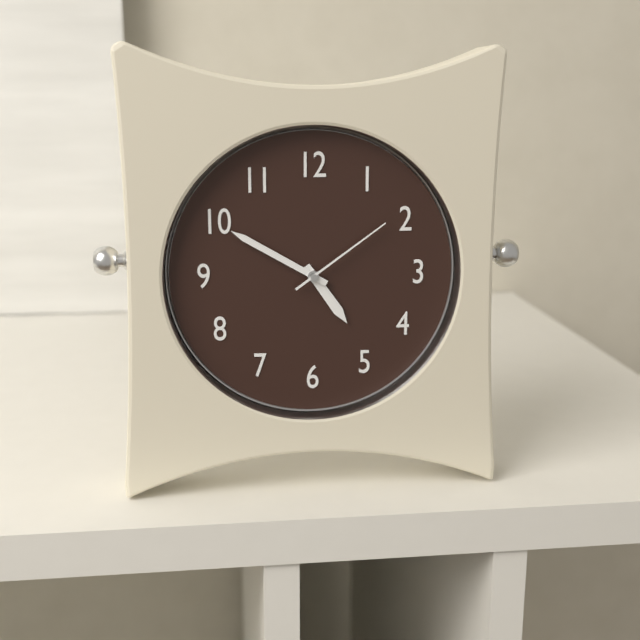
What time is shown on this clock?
4:50:09
